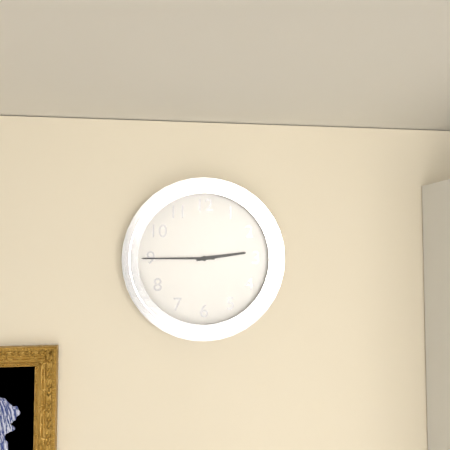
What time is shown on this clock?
2:45
